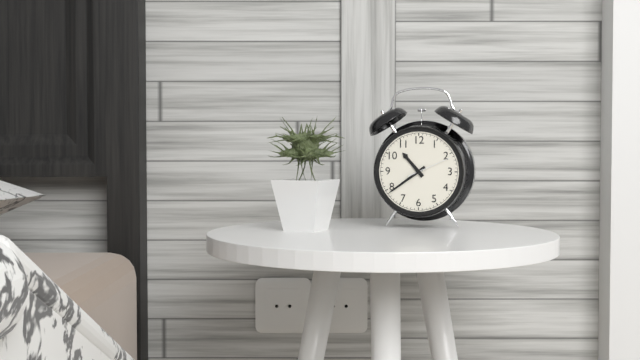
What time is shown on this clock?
10:39
